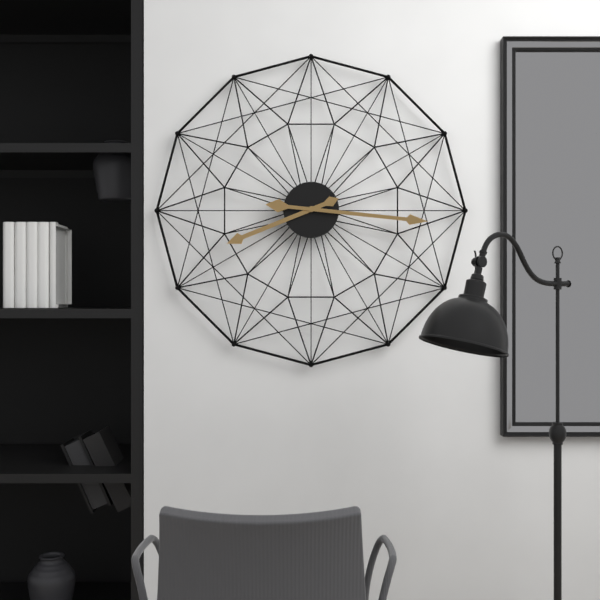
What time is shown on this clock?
8:16
